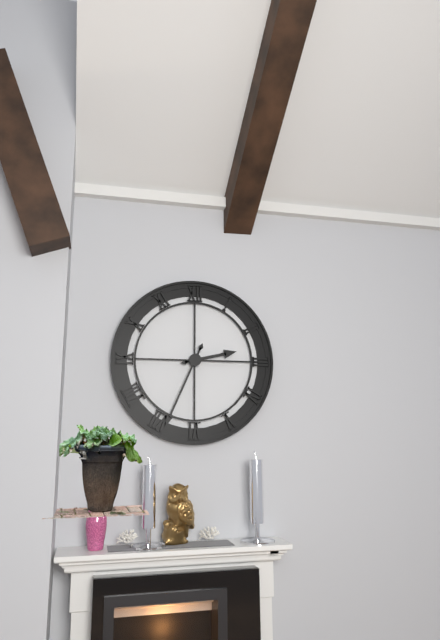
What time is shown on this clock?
2:34
